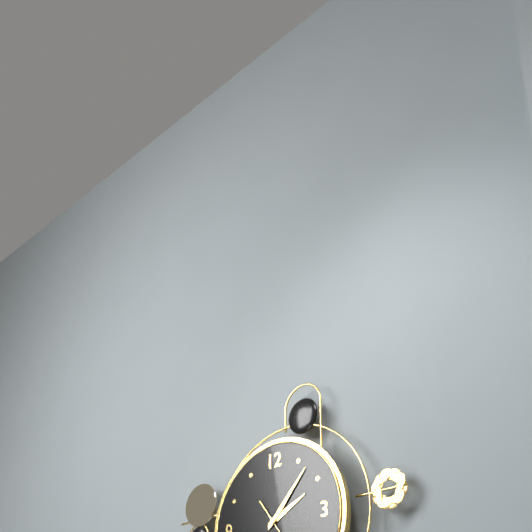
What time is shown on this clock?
2:07
